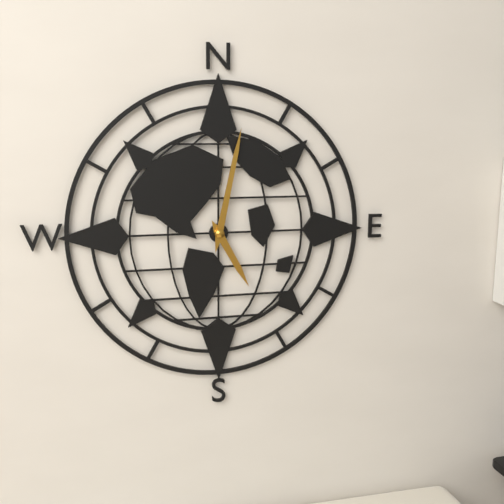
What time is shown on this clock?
5:02
